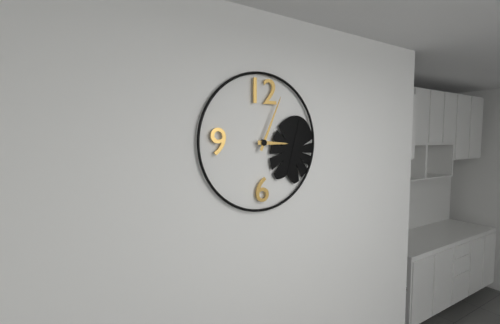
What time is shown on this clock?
3:04
